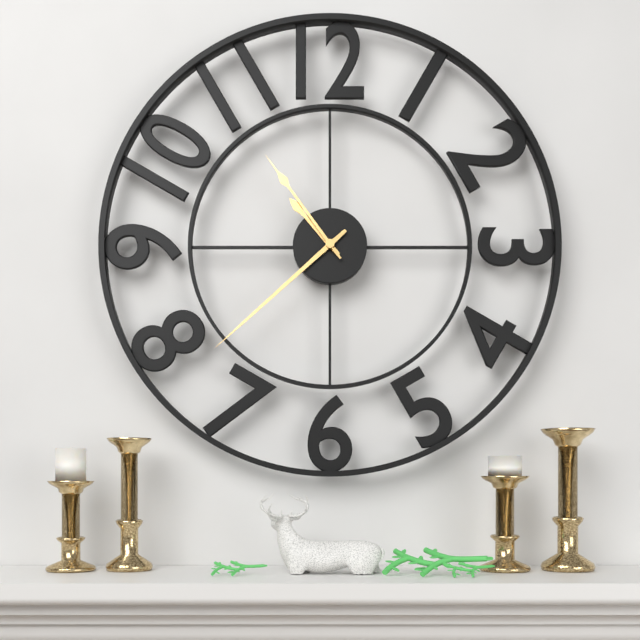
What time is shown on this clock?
10:38:54
